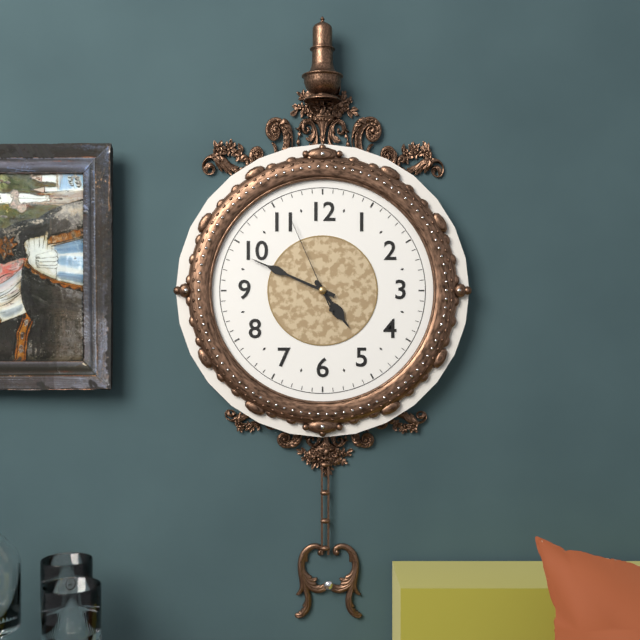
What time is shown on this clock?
4:49:56
